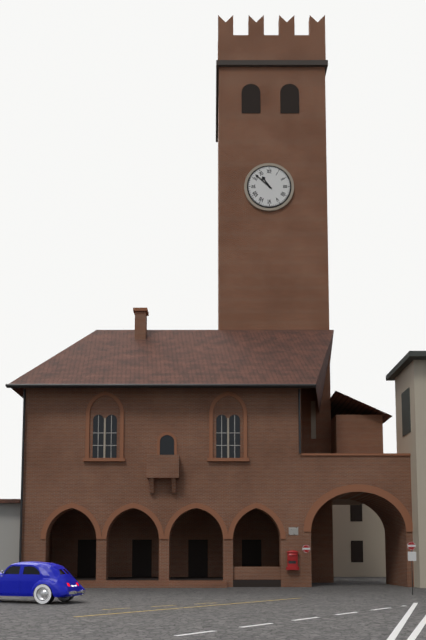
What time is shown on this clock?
10:52
